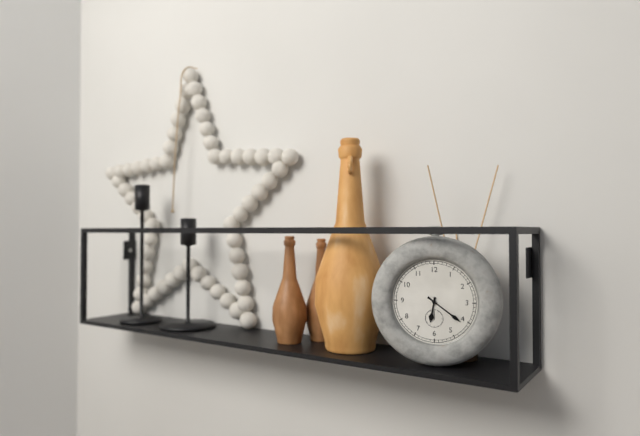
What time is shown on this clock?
6:21
